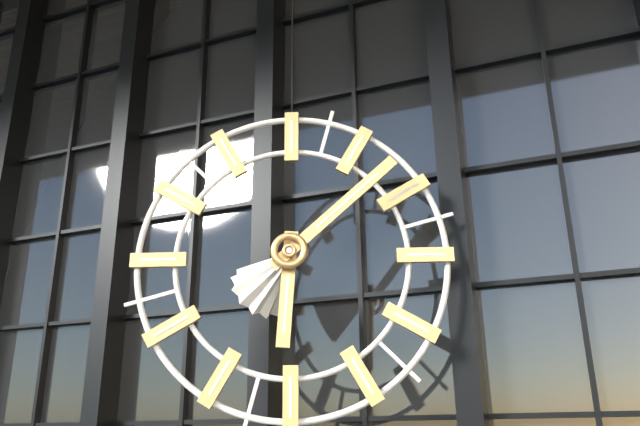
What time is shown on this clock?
6:08
